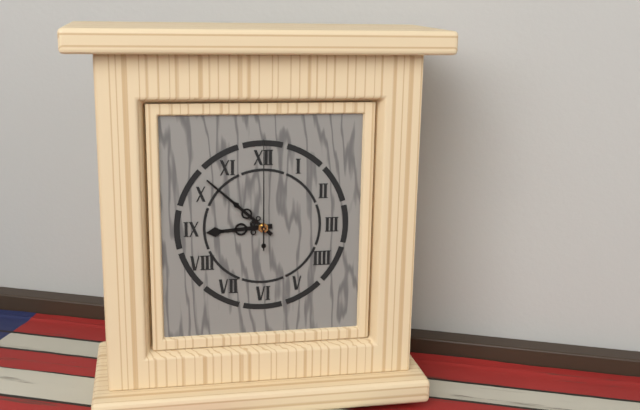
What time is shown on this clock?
8:52:00
